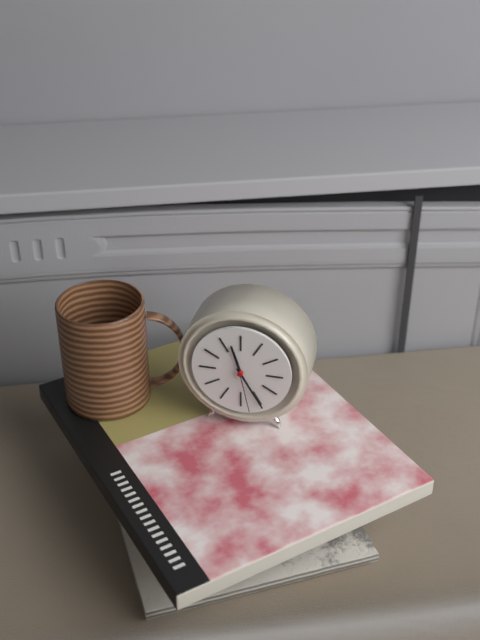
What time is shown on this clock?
11:25:28
